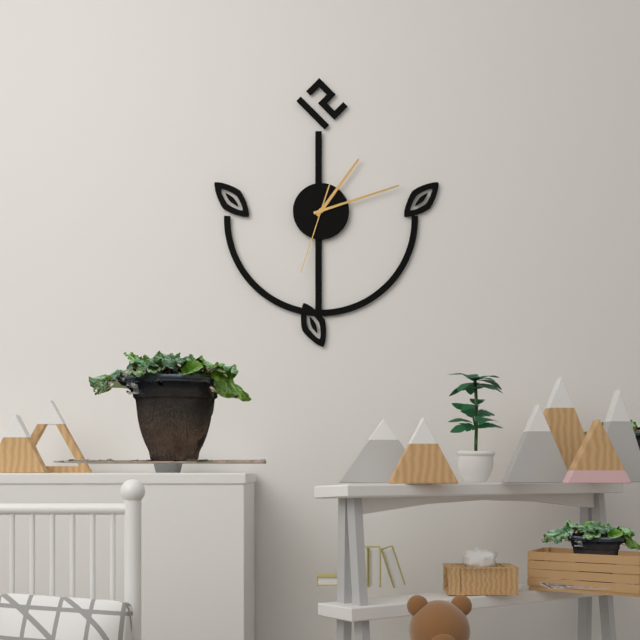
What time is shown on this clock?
1:12:33
